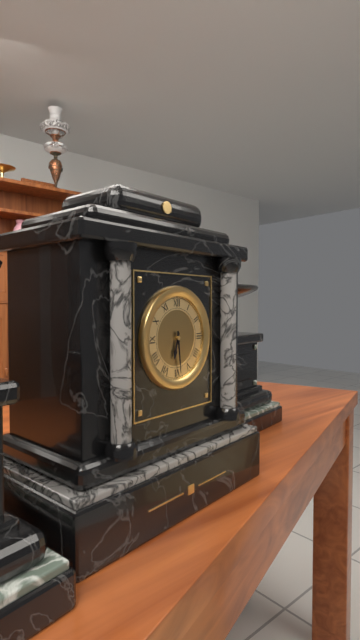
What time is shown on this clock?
6:29
